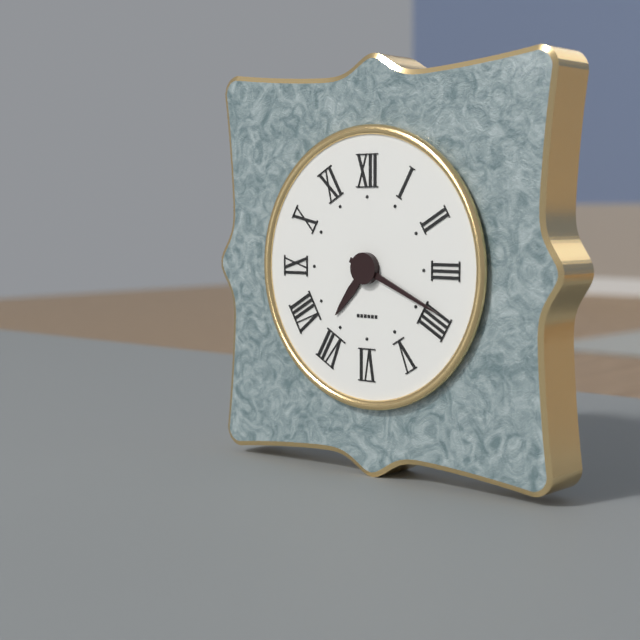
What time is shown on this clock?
7:19
